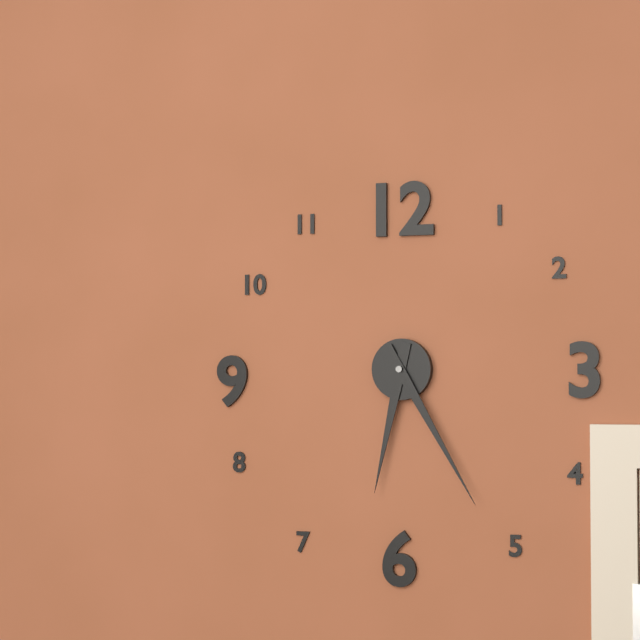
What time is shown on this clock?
6:25
